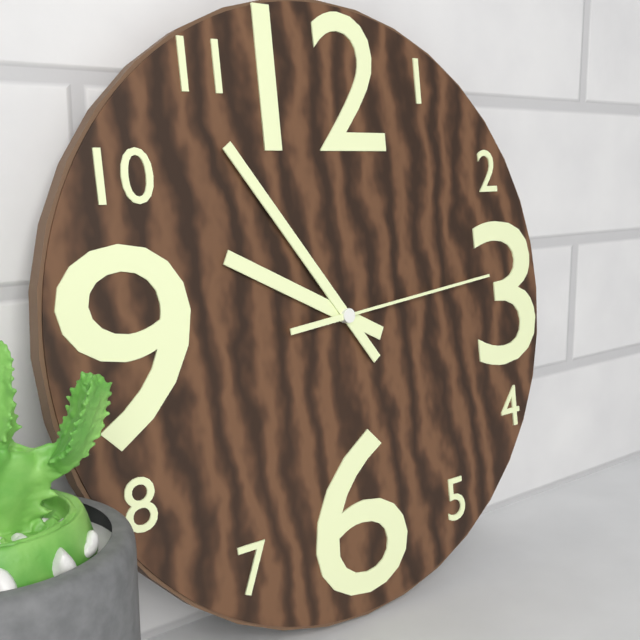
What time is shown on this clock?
9:54:14
